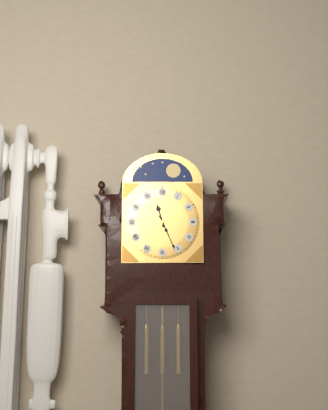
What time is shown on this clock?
11:26
